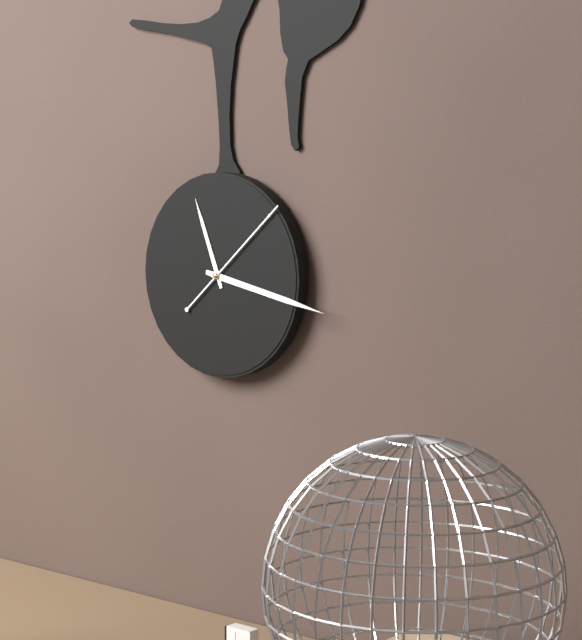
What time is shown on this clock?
11:17:08
